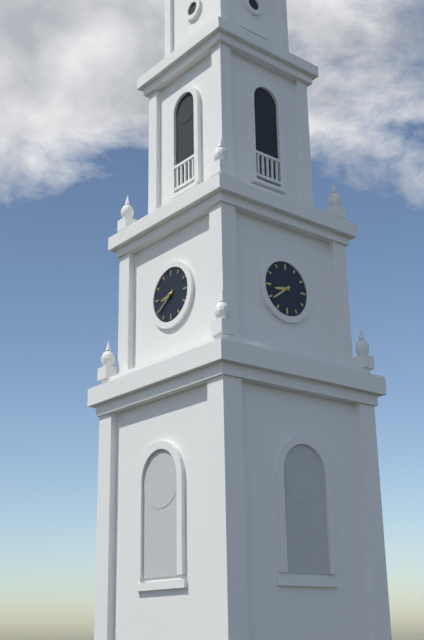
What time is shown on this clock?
8:39
